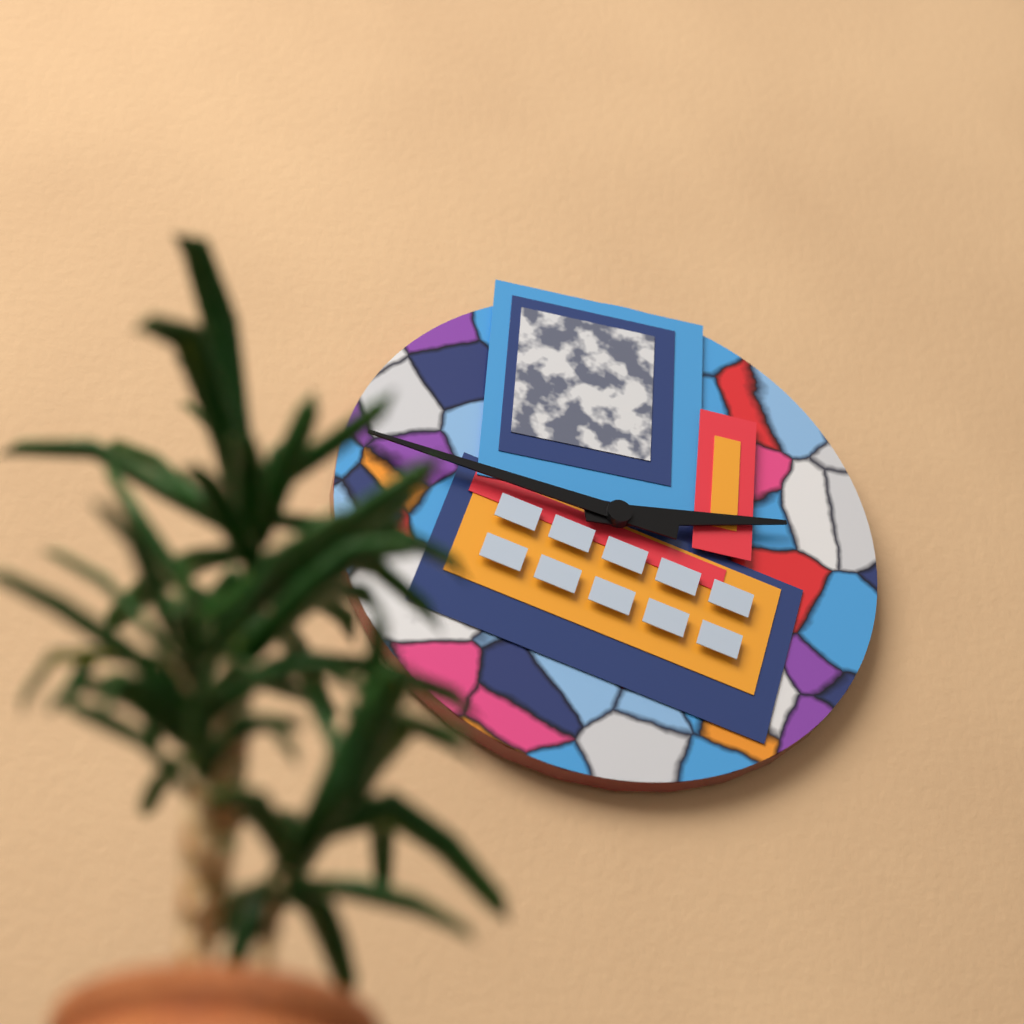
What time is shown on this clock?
2:47
